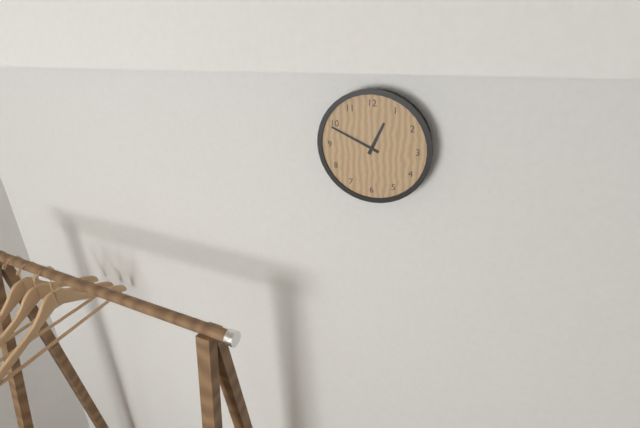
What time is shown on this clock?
12:49
